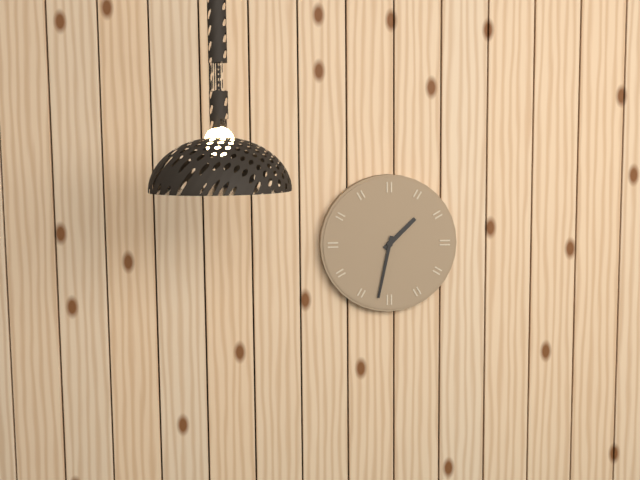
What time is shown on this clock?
1:32
